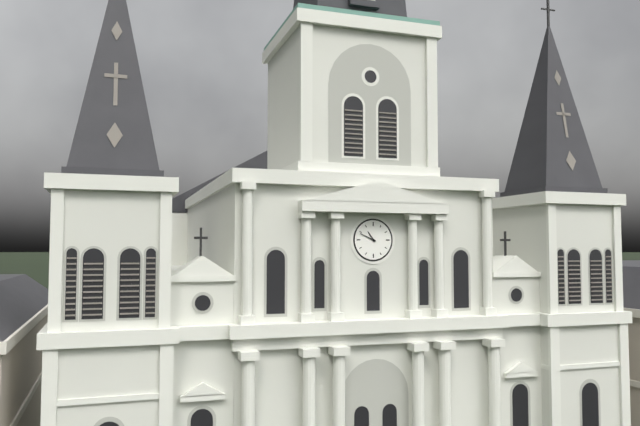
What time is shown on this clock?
10:49
